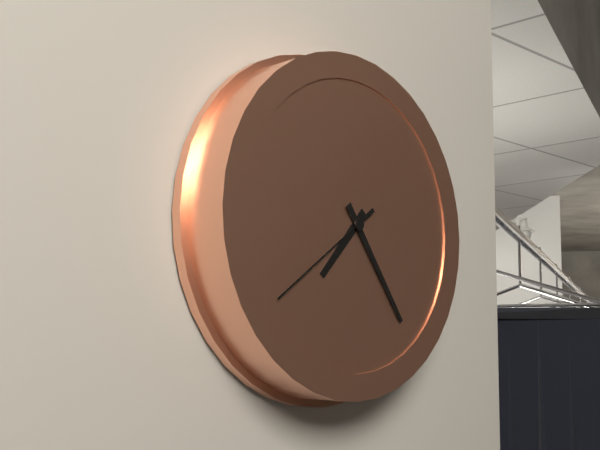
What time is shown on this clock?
7:24:39
